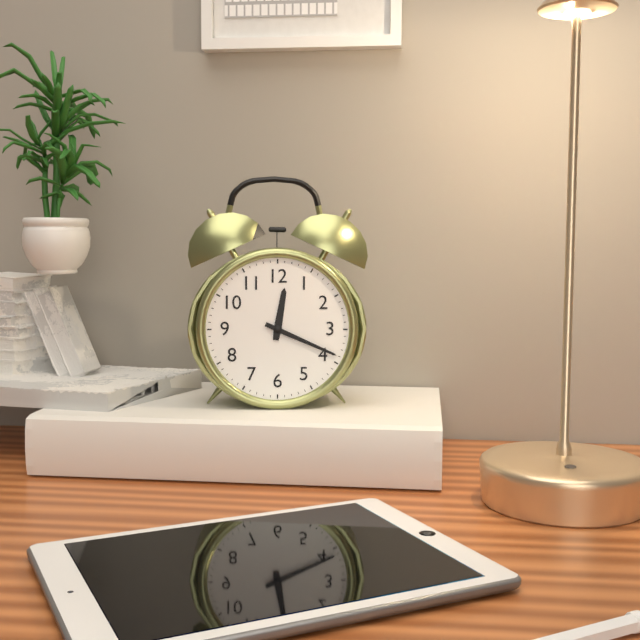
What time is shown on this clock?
12:19
